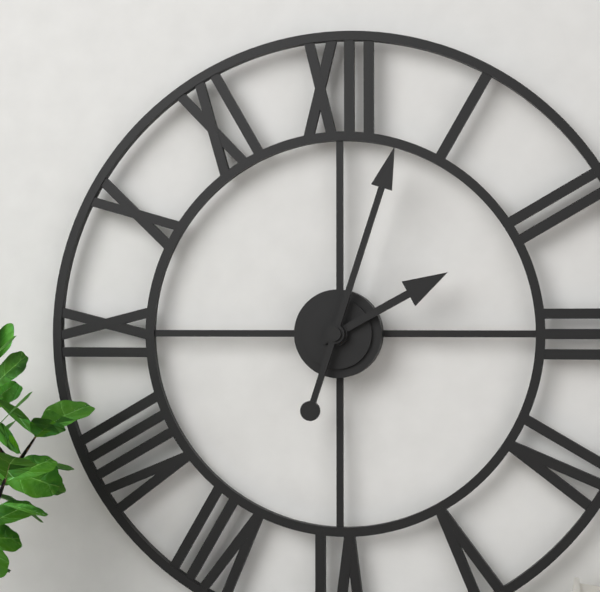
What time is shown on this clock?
2:03
